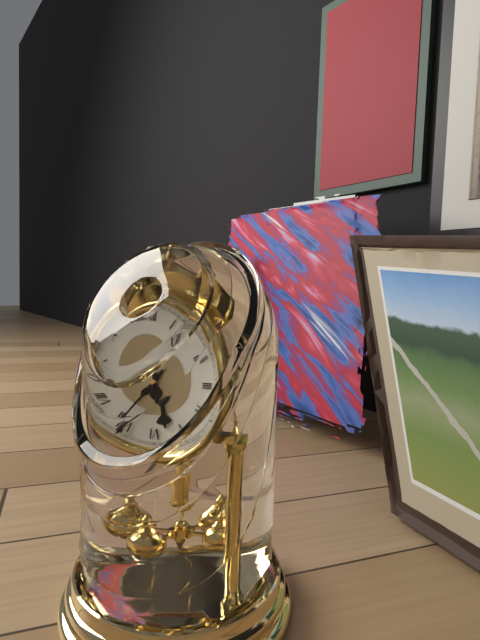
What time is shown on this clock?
5:35
